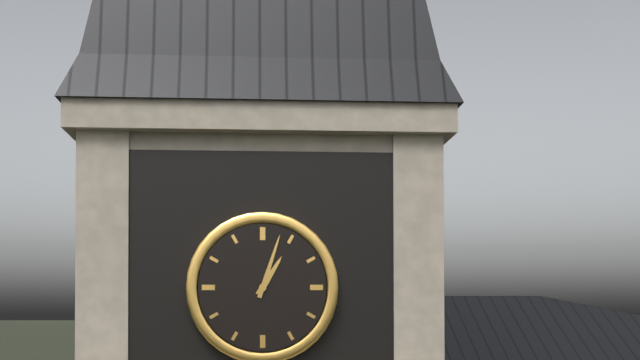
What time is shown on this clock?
1:03
